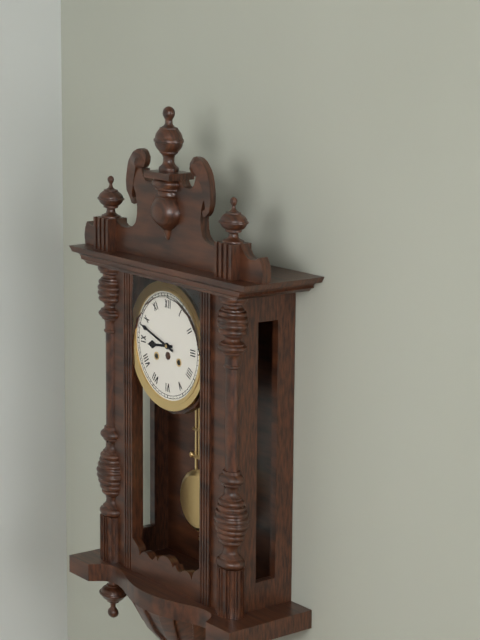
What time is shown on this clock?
8:48
